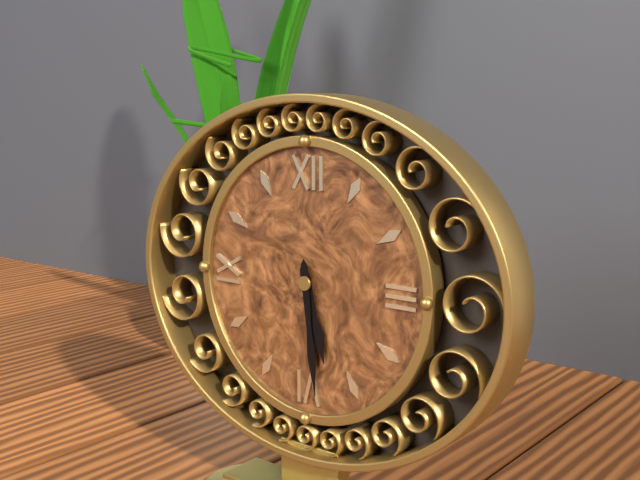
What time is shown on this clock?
5:29
